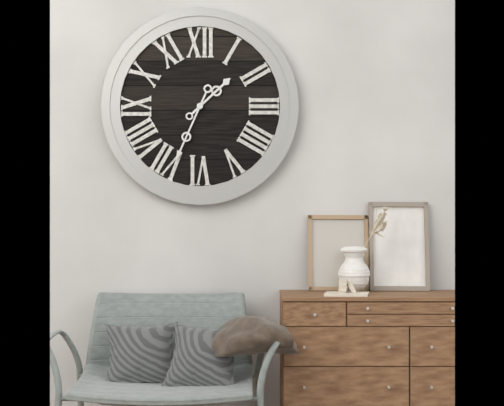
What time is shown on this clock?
1:34
